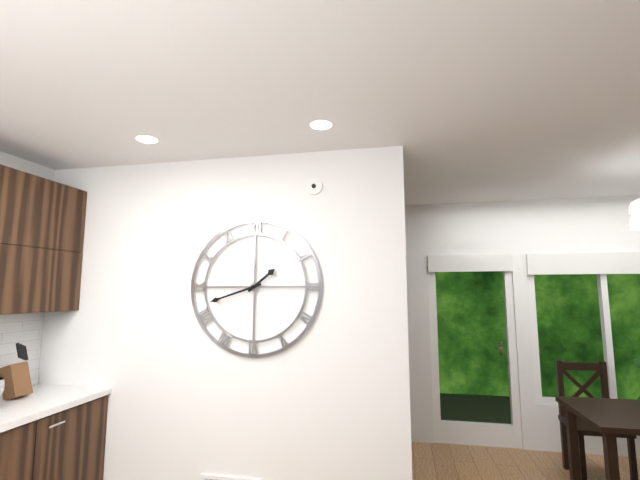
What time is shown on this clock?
1:42
